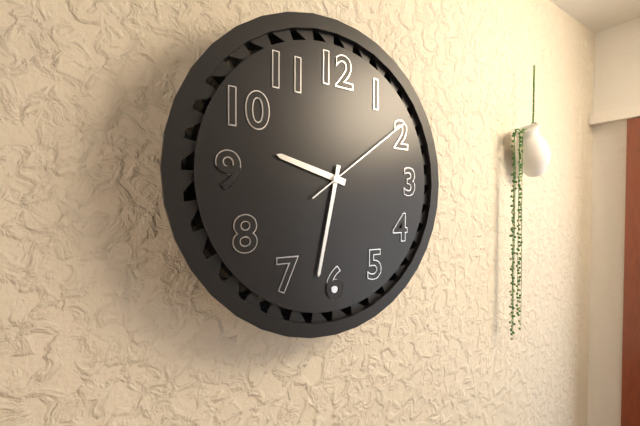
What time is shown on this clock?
9:32:09
